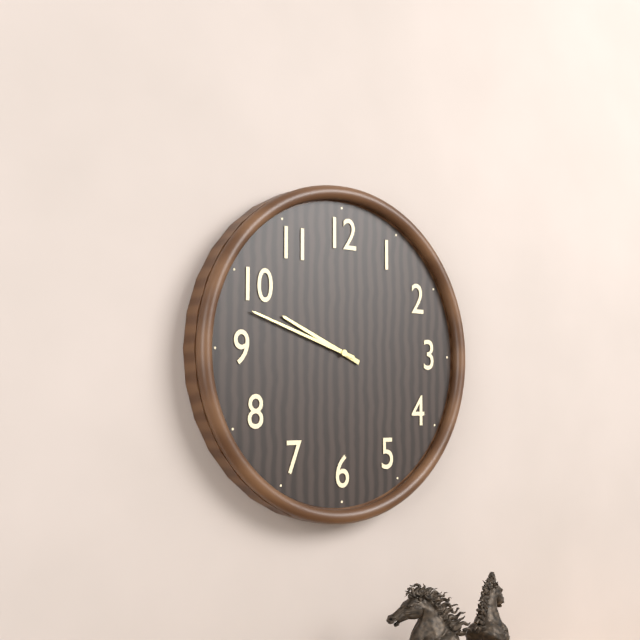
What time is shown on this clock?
9:48
